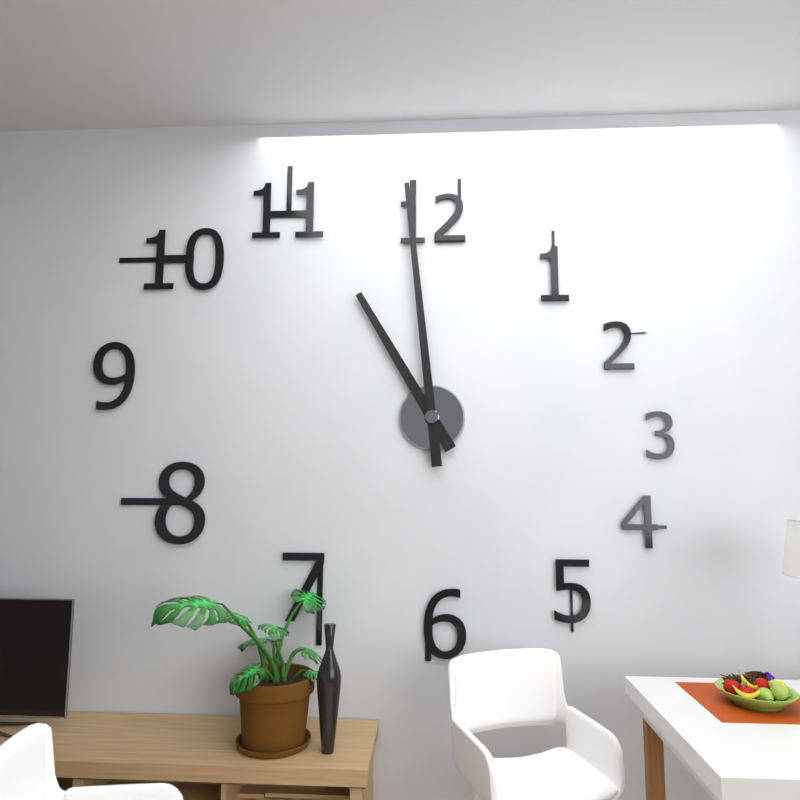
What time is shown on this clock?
10:59
